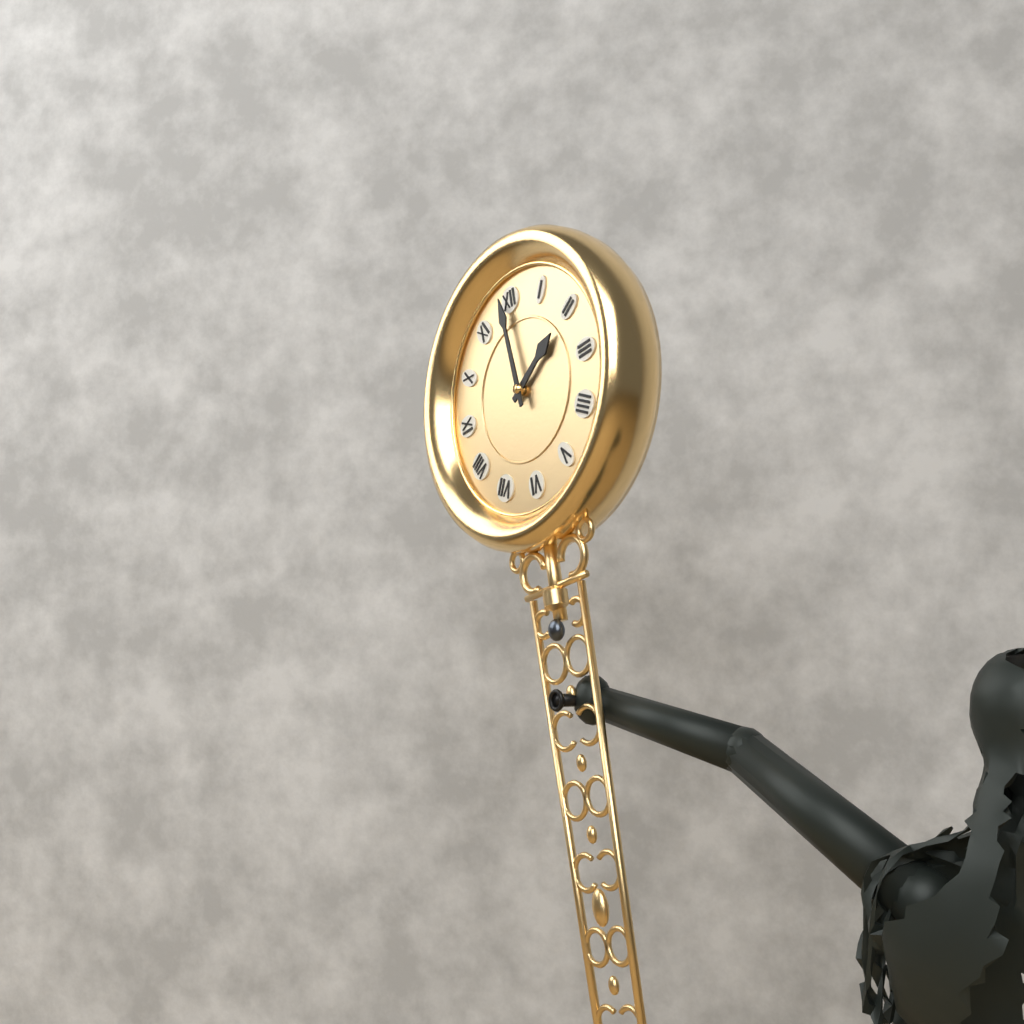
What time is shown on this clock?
1:59
